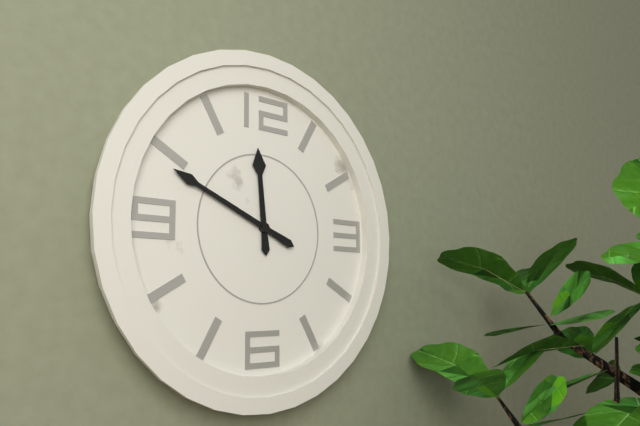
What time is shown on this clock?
11:49
